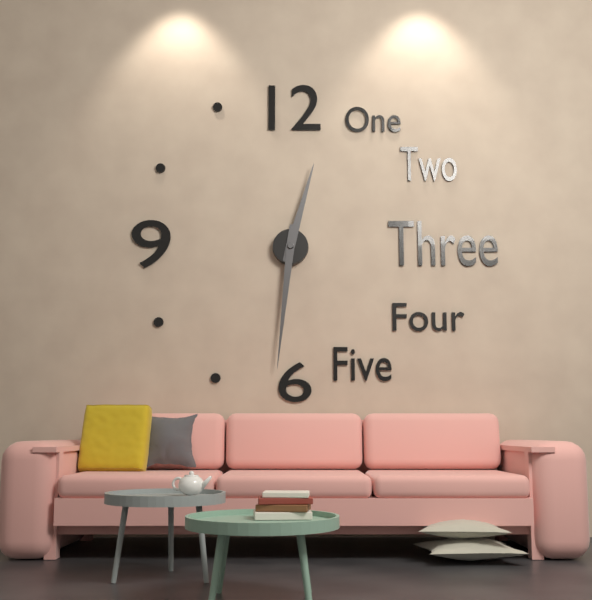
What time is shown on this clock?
12:31
